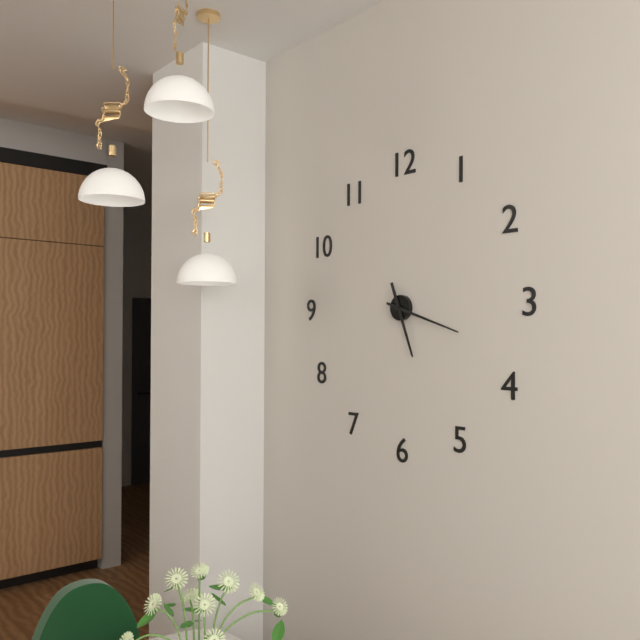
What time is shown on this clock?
5:18
